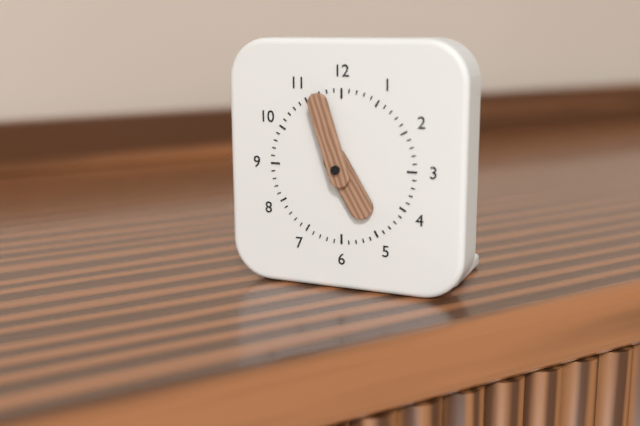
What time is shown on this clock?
4:57
